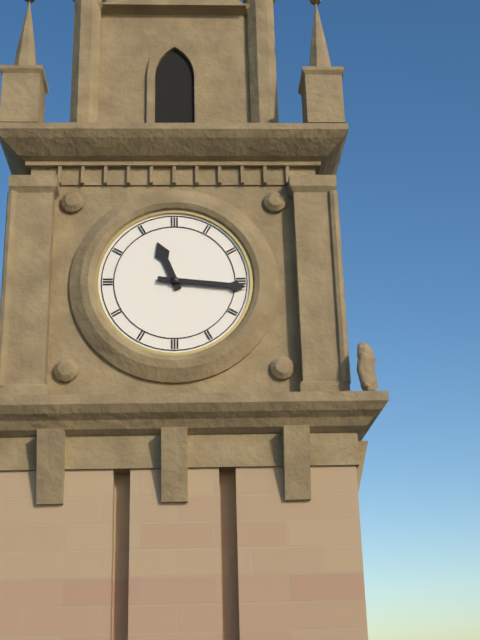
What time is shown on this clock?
11:16
